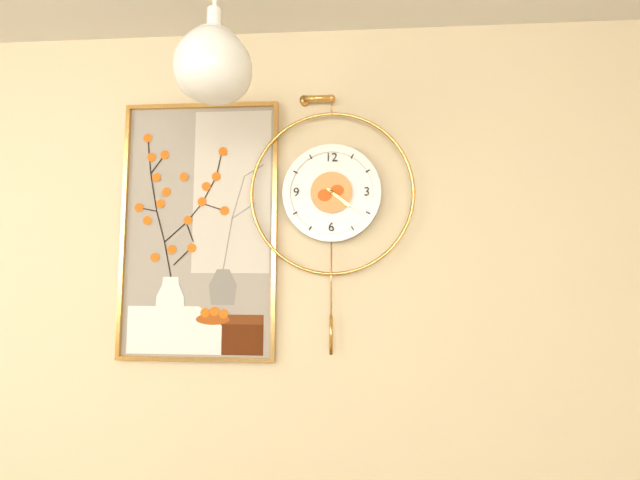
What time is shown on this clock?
4:21
